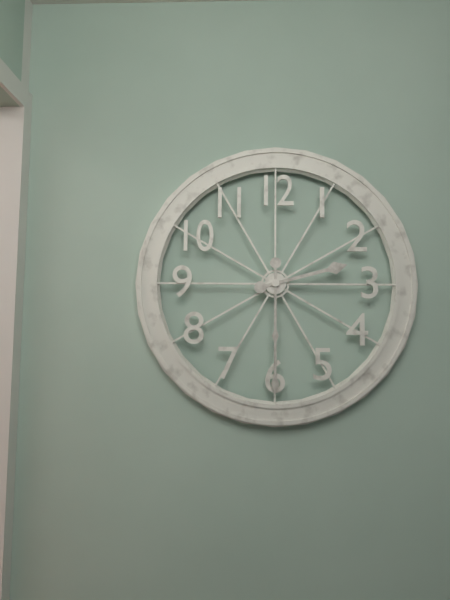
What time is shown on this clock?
2:30
